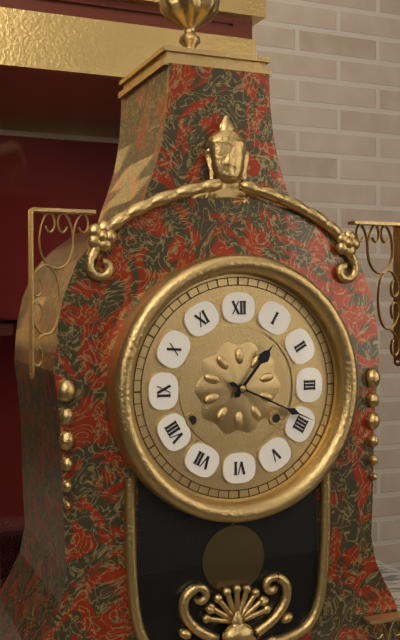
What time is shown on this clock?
1:19
